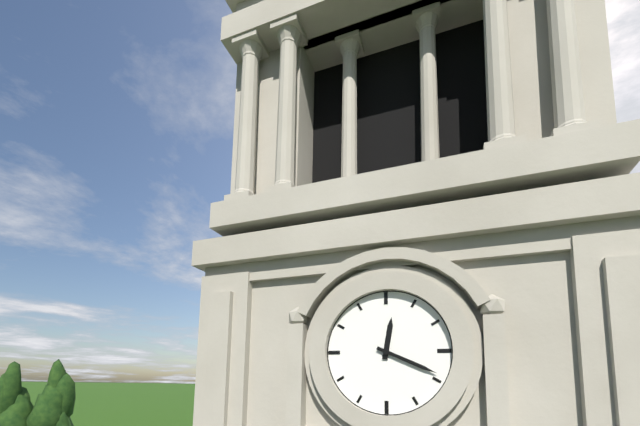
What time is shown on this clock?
12:19
